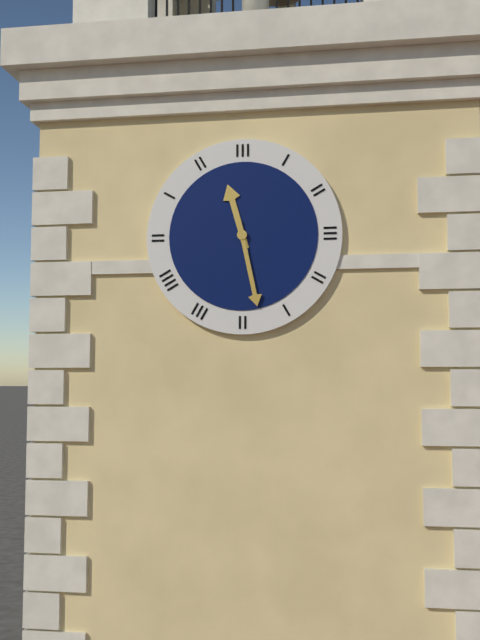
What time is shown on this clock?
11:28
